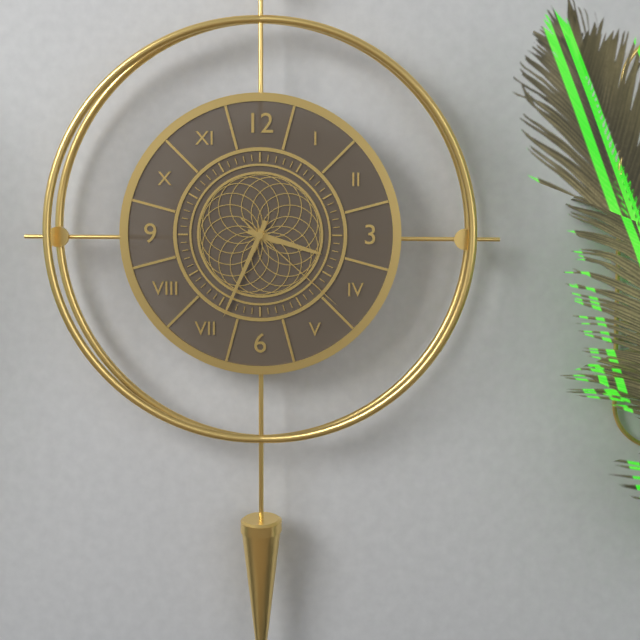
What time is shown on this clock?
3:34:22
